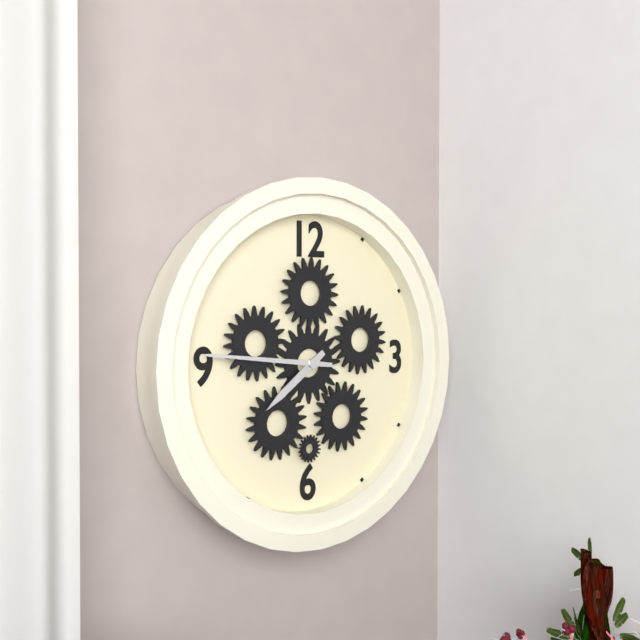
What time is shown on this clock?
7:46
